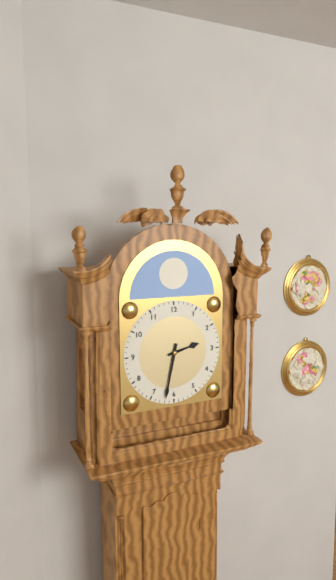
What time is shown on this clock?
2:32
